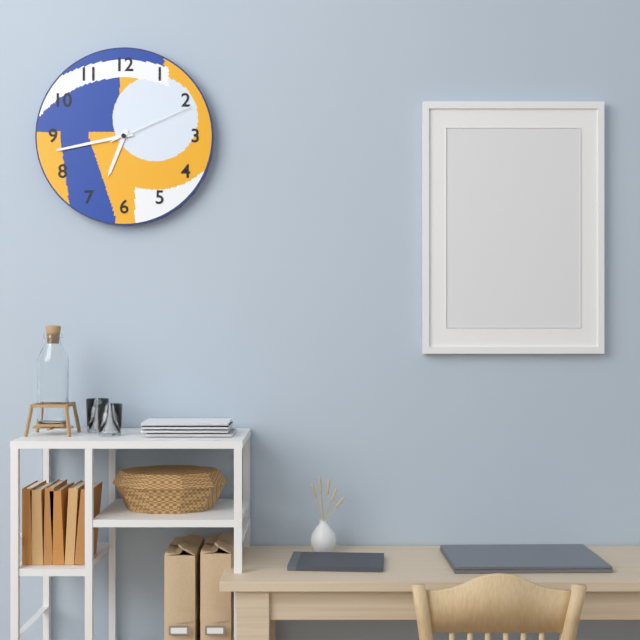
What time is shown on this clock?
6:43:11
